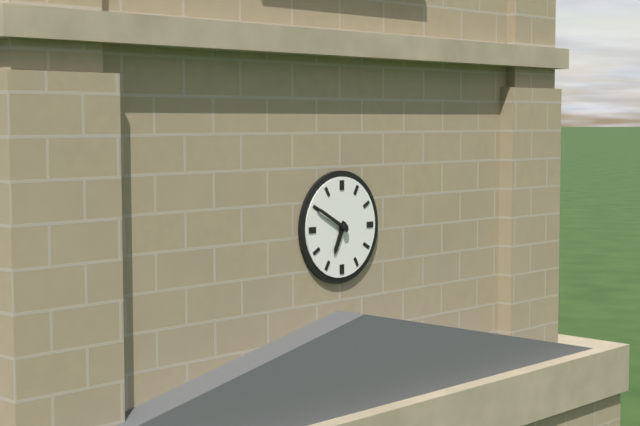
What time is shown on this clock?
6:50
